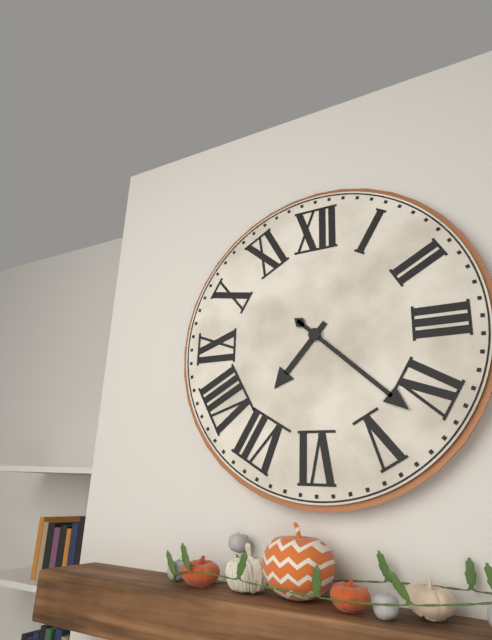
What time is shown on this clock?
7:22
